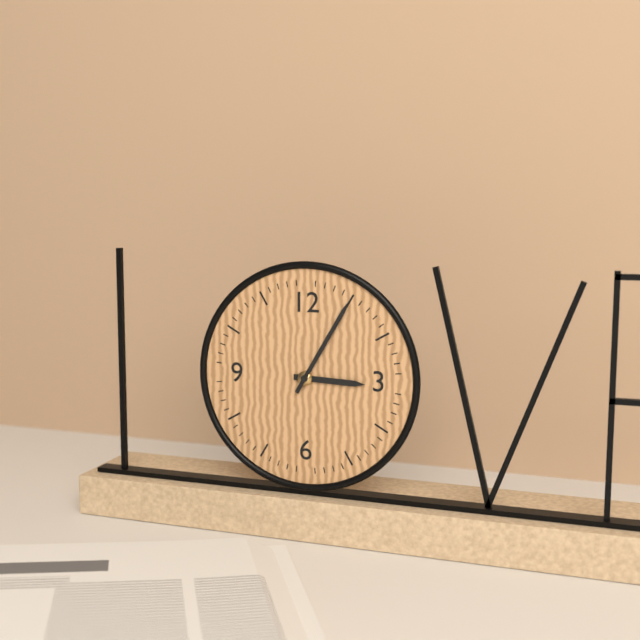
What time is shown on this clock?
3:05
